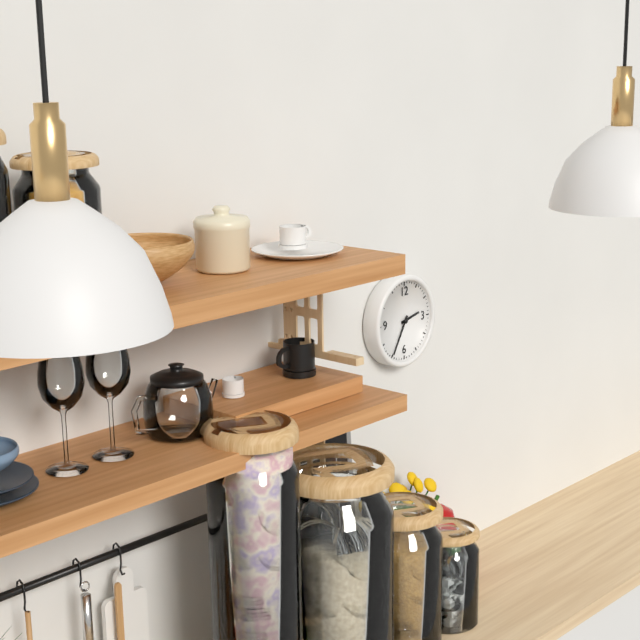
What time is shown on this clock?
2:35
